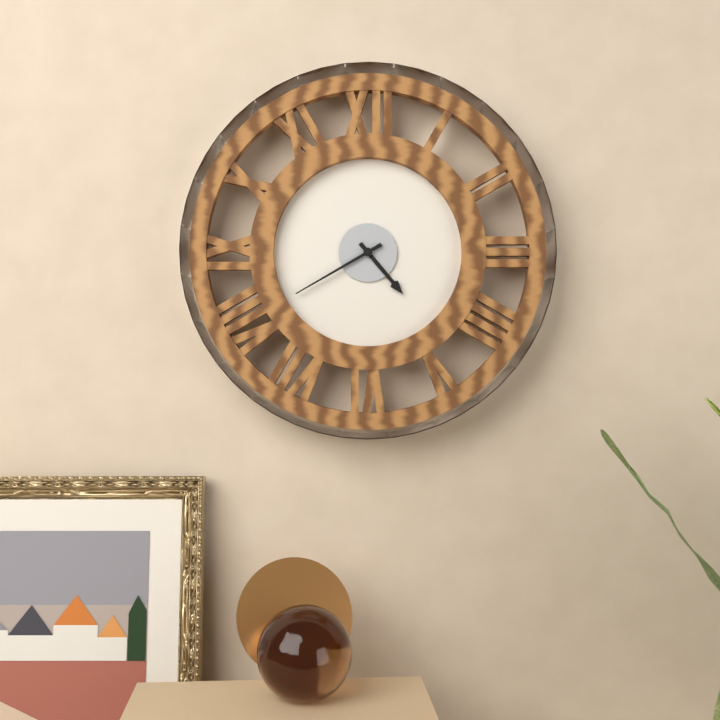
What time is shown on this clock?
4:40
